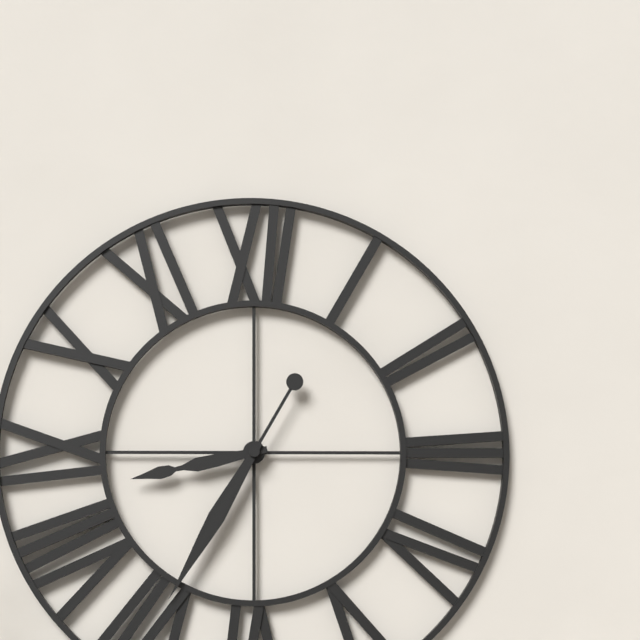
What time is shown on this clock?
8:35
